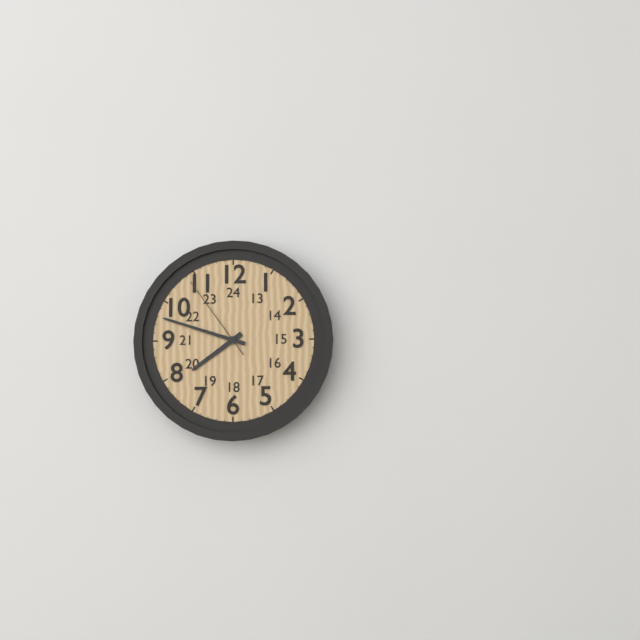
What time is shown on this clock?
7:48:54
